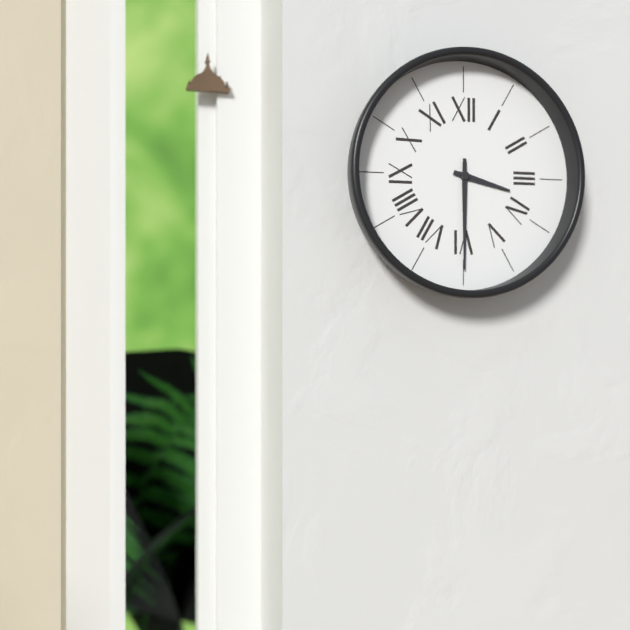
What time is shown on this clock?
3:30
